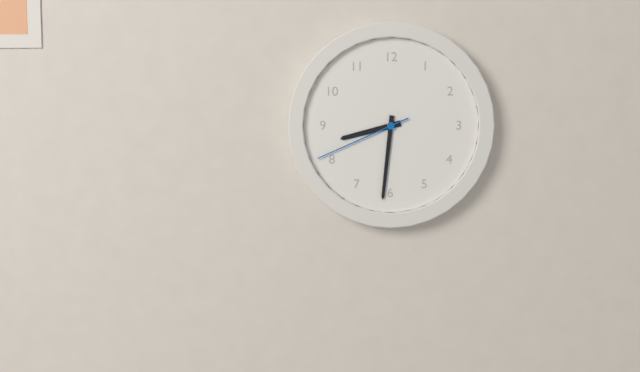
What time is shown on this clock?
8:31:41
